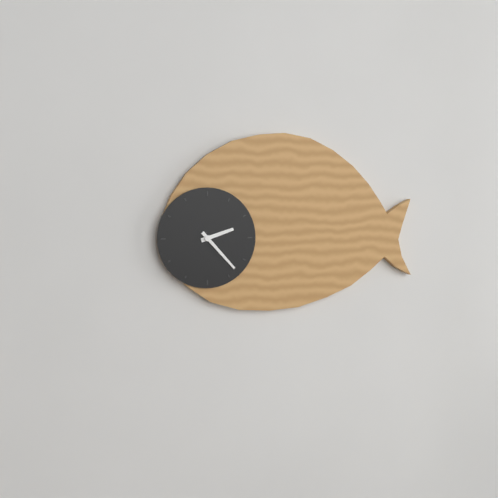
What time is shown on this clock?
2:23
